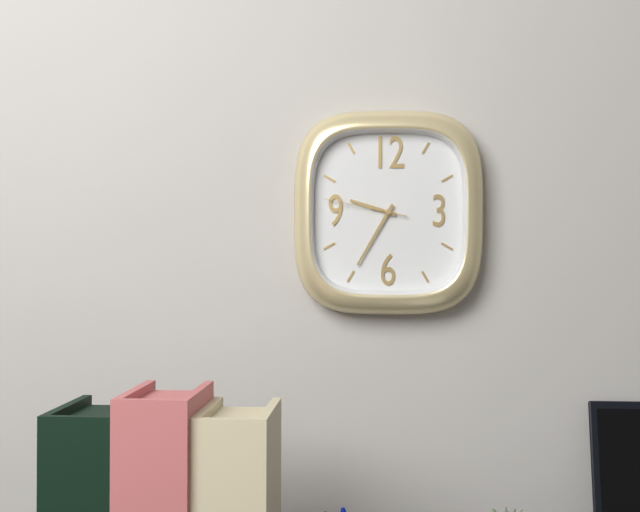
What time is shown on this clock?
9:35:47
